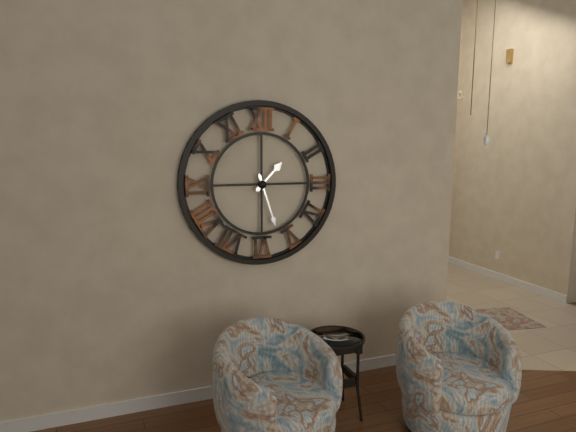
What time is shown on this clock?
1:27
